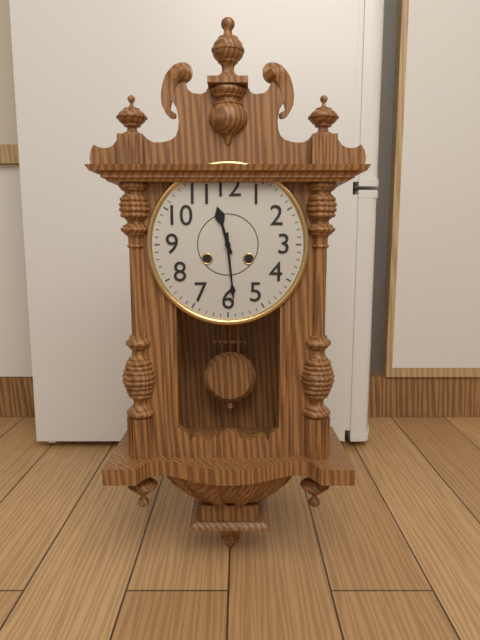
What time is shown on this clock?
11:29
